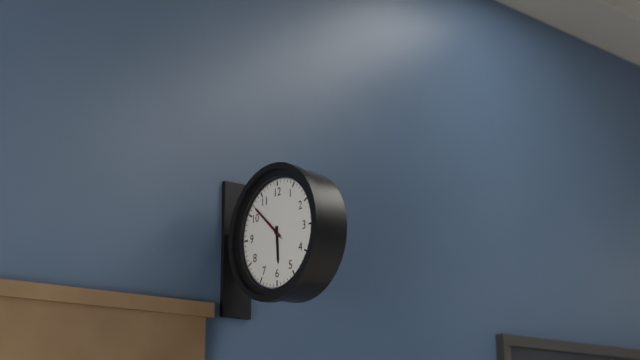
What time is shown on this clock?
5:52
